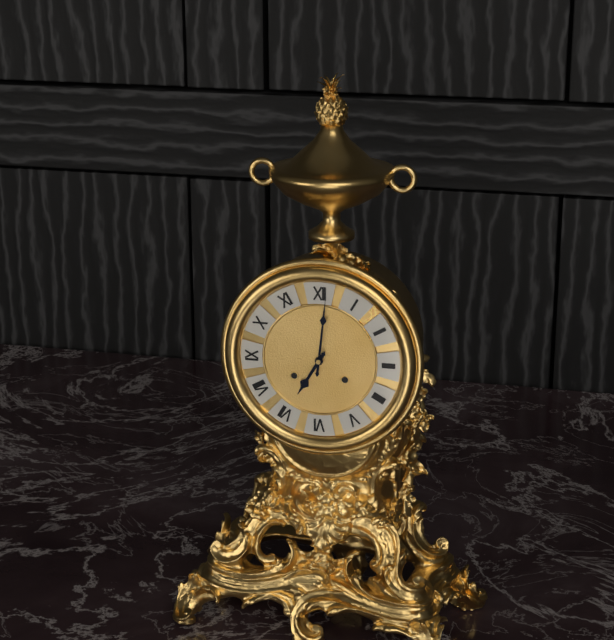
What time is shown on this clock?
7:01
